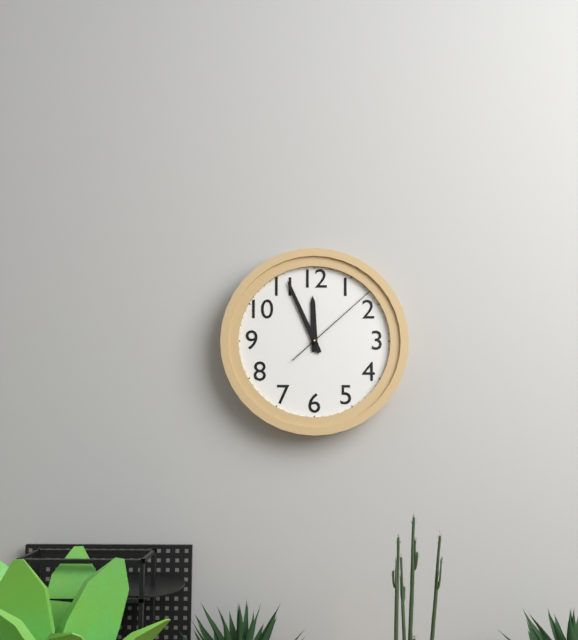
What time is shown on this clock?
11:56:08
